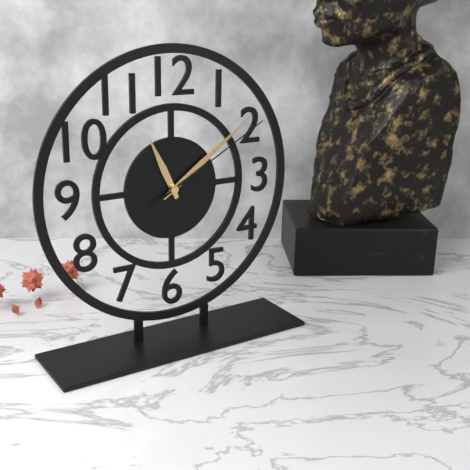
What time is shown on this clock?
11:09:10
